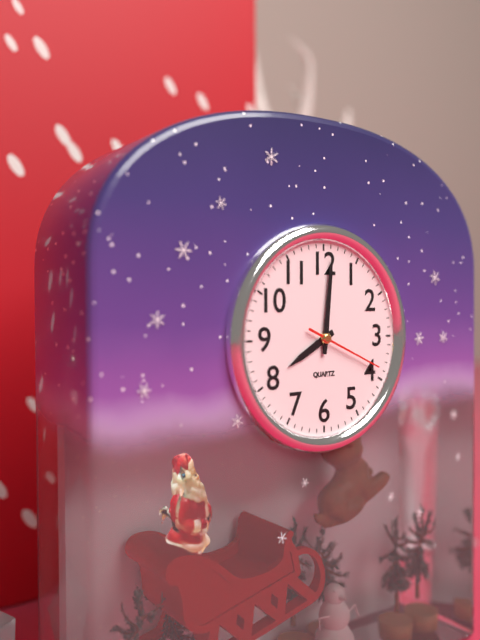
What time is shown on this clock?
8:01:19
